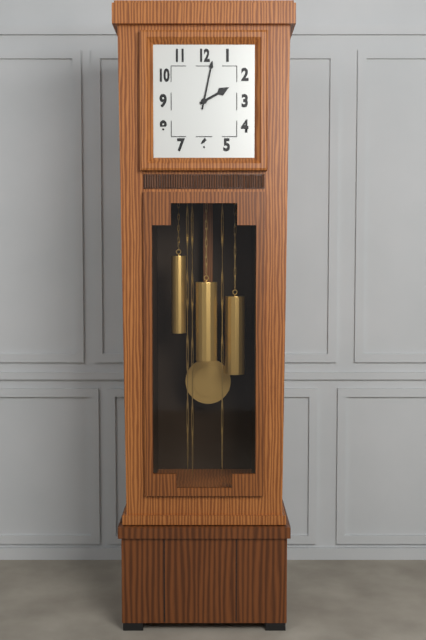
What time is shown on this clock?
2:02
